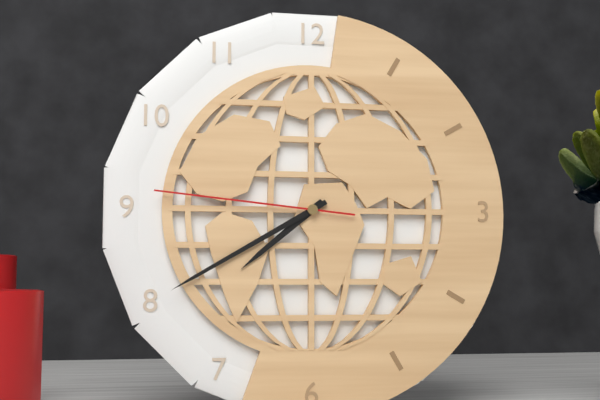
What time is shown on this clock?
7:40:46
